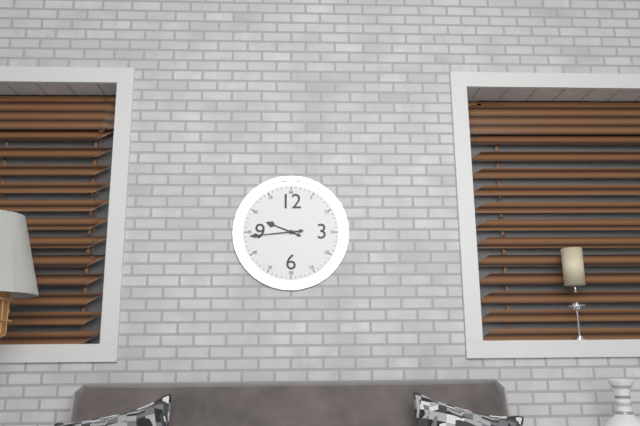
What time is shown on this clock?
9:44
